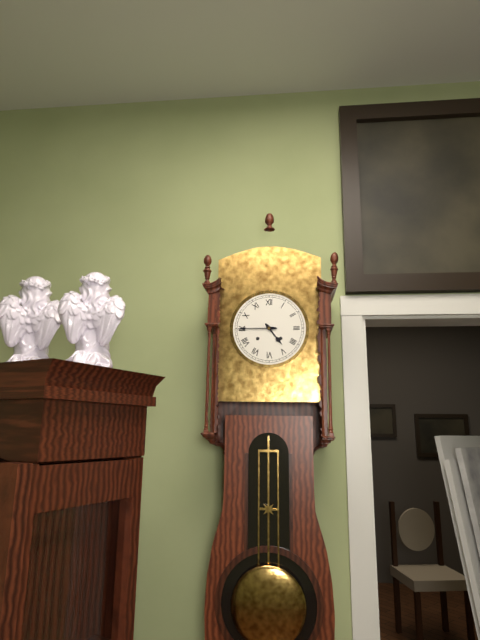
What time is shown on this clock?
4:45
